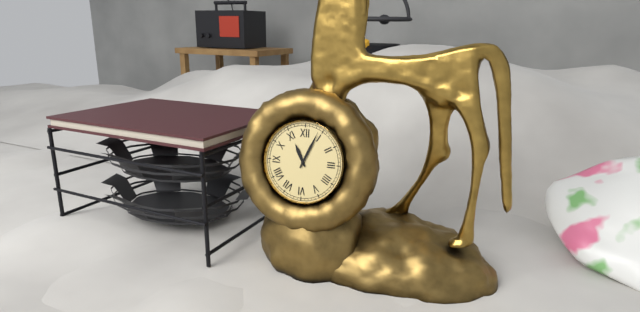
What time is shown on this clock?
11:04
